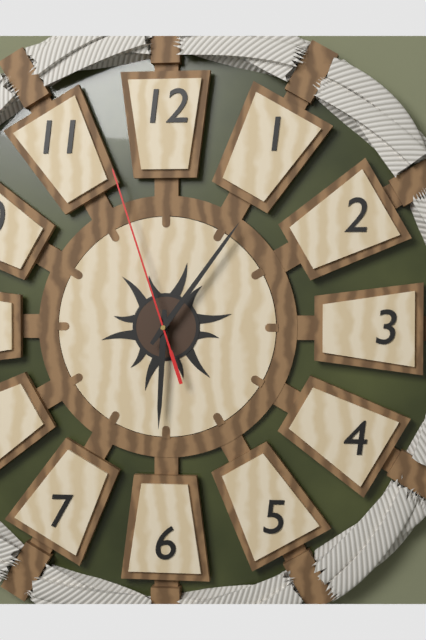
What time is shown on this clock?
6:06:57
